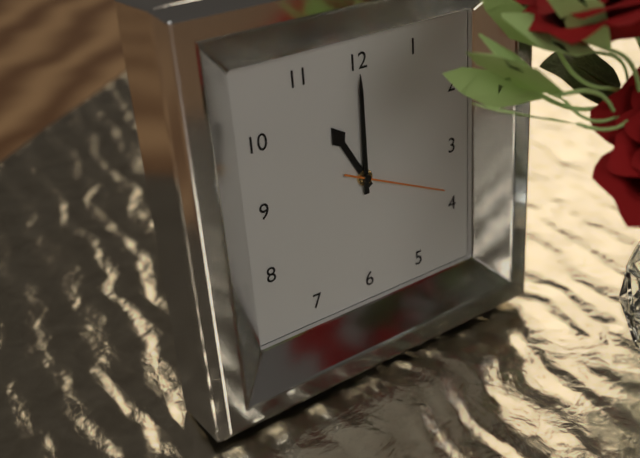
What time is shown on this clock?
11:00:19
